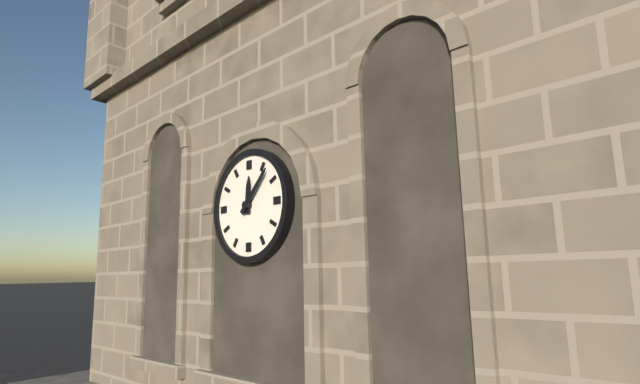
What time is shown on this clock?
12:07
